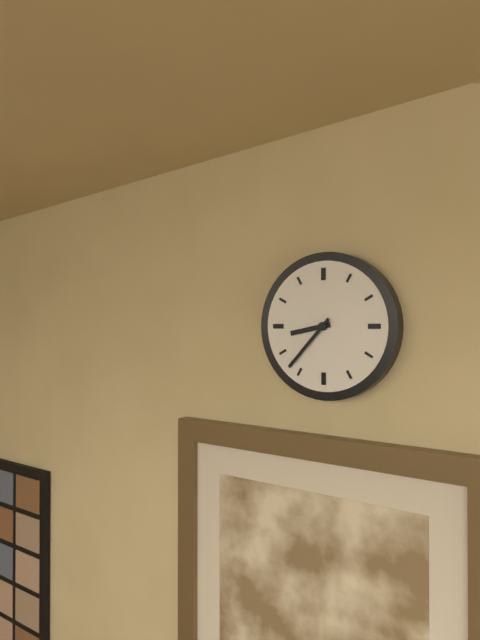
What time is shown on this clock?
8:37
